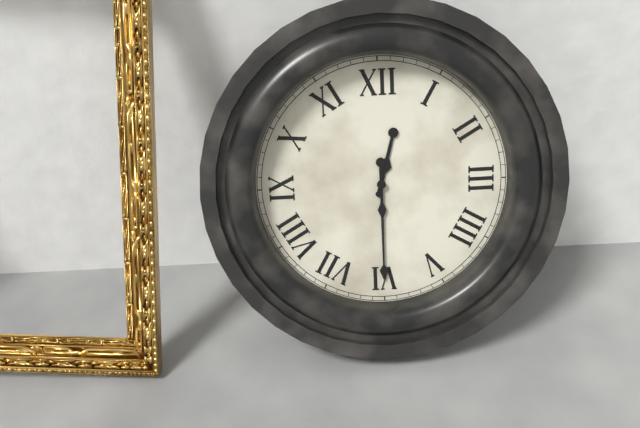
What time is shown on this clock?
12:30
